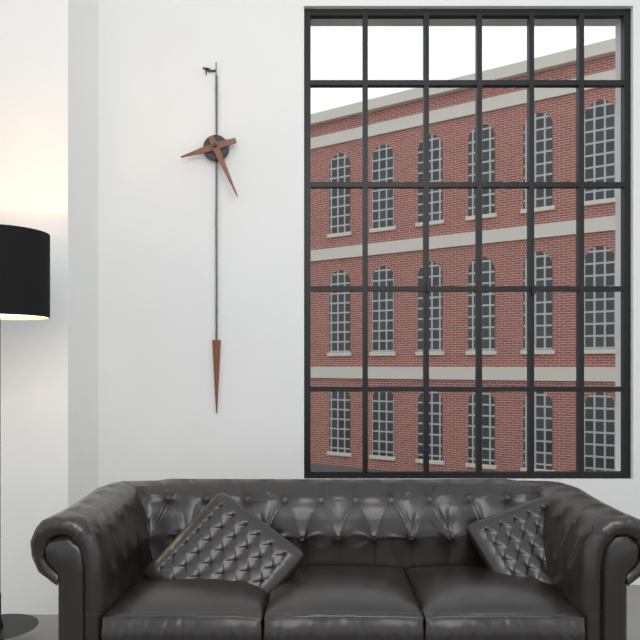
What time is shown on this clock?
8:26
